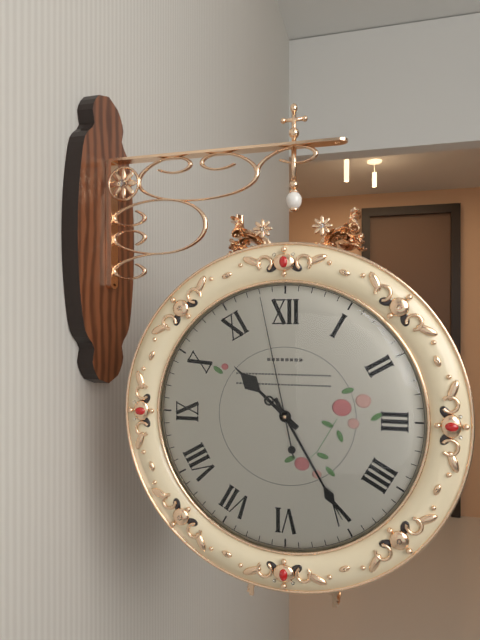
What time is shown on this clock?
10:25:58
